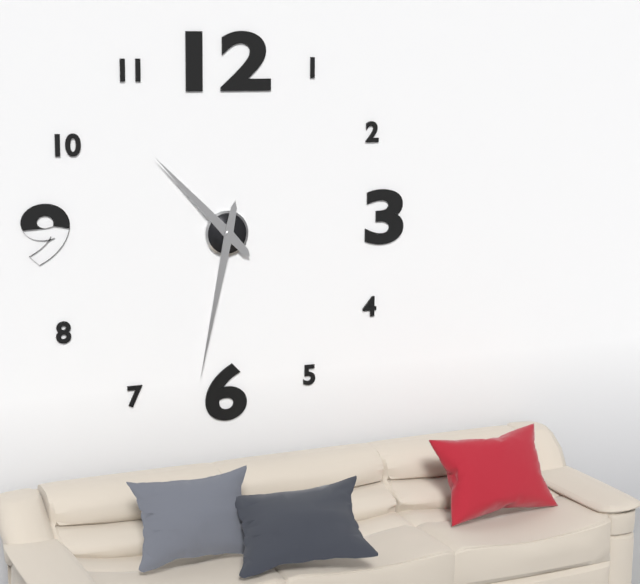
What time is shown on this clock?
10:32
